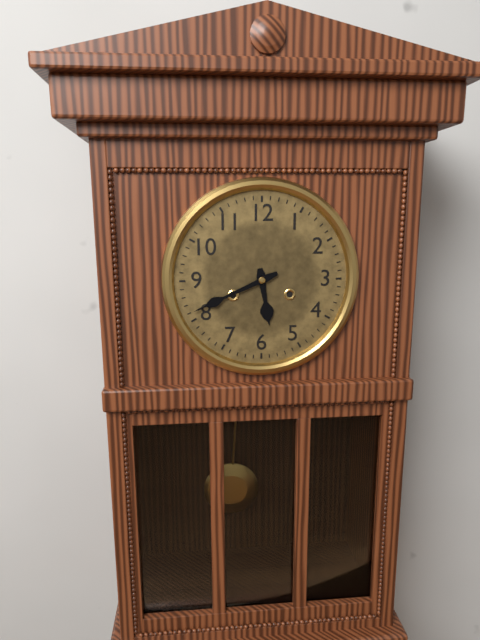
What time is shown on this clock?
5:41
